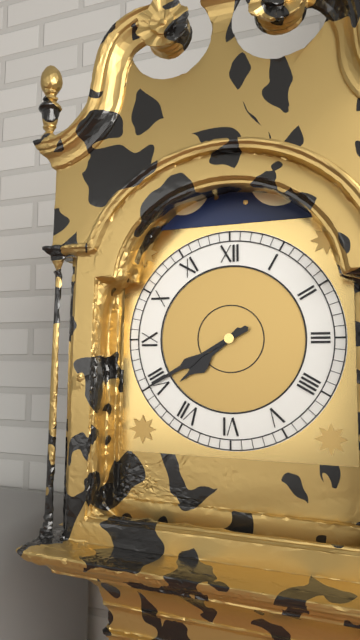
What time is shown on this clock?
7:40
